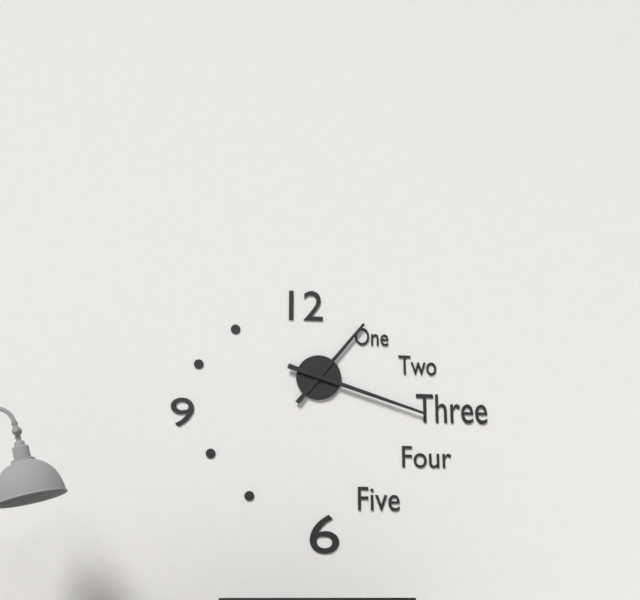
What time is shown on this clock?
1:18
